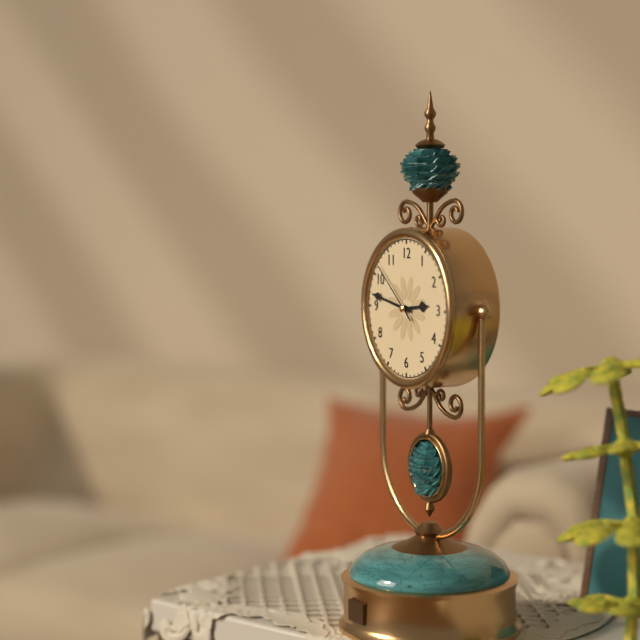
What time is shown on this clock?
2:47:52
